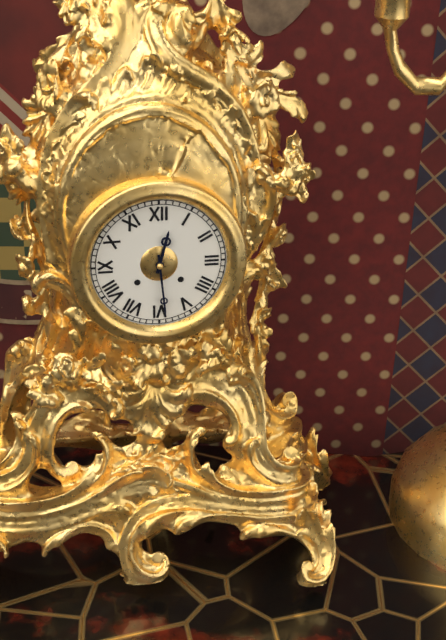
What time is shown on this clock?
12:29
